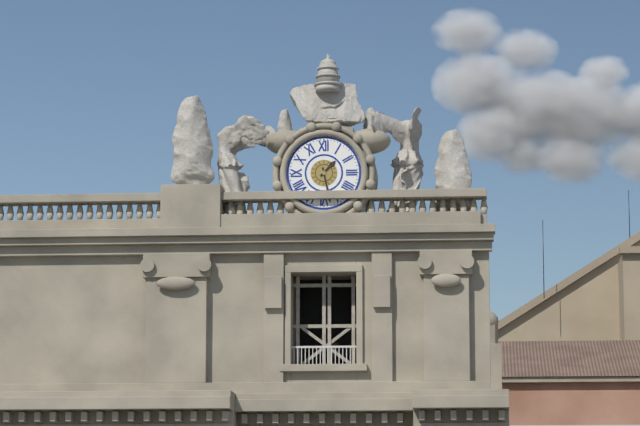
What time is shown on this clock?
1:28
